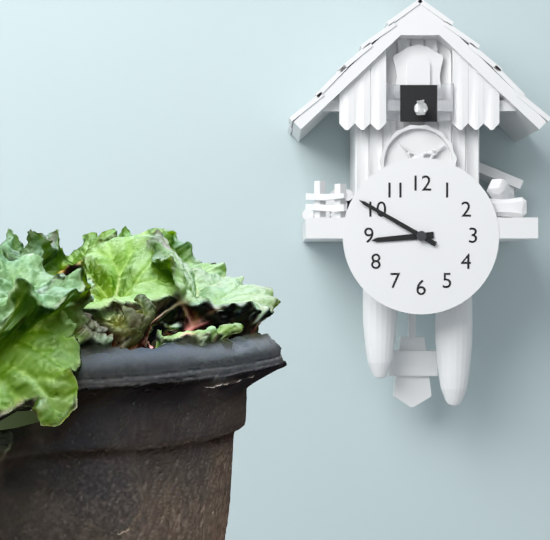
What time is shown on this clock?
8:50
